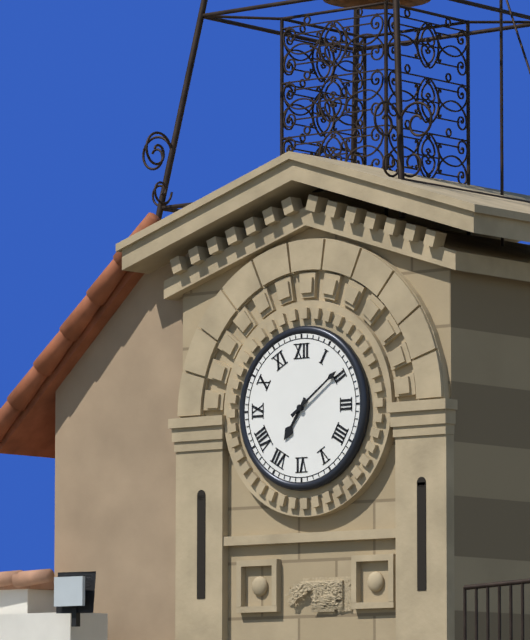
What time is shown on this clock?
7:09
